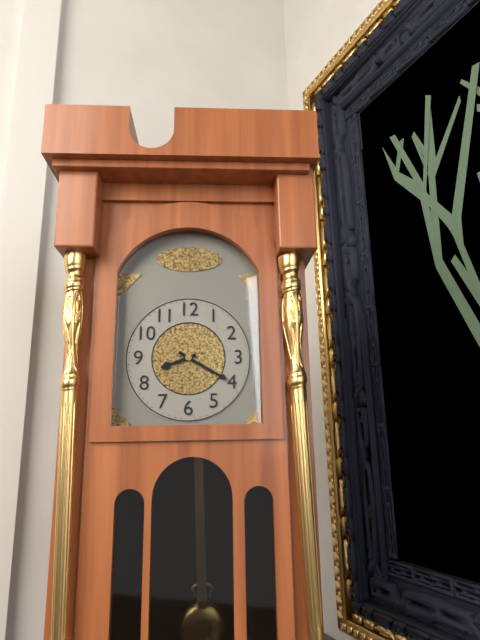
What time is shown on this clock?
8:20
